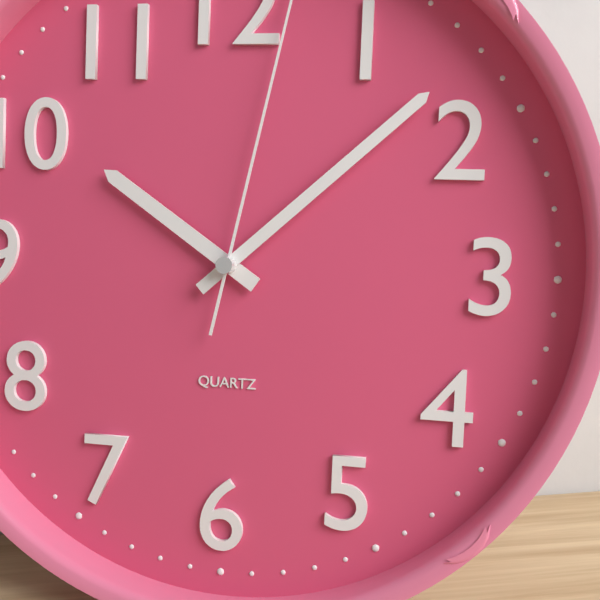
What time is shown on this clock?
10:08
